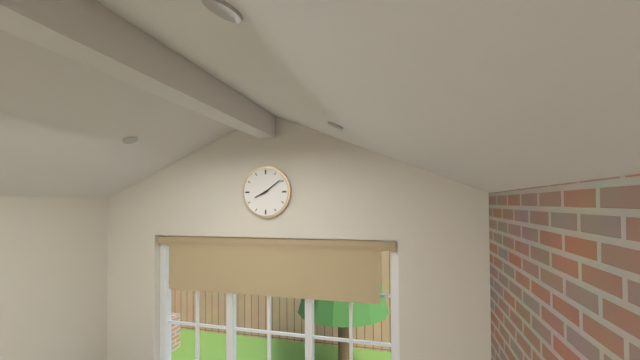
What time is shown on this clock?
8:09
